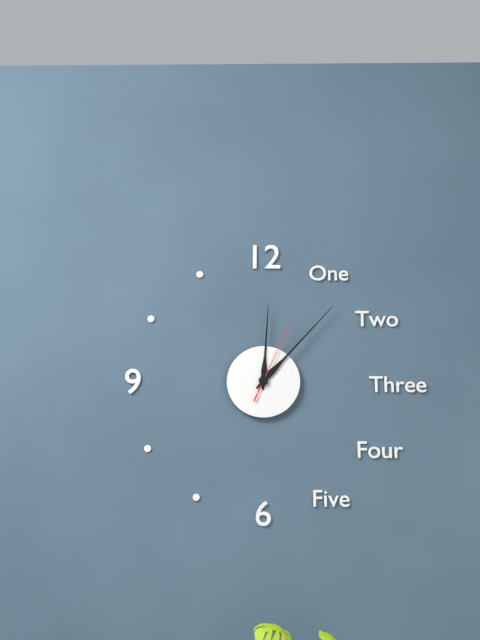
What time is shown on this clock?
12:07:04
